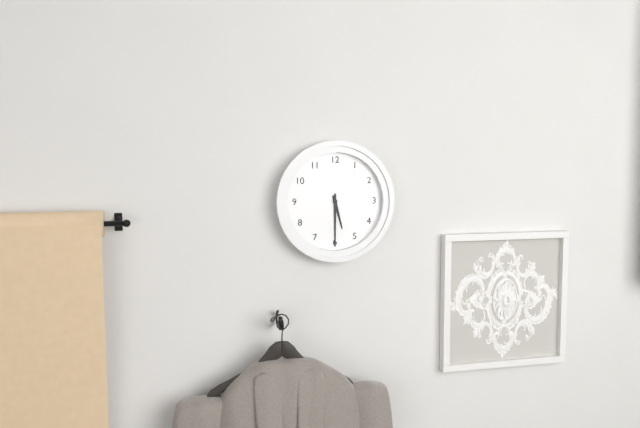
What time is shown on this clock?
5:30
